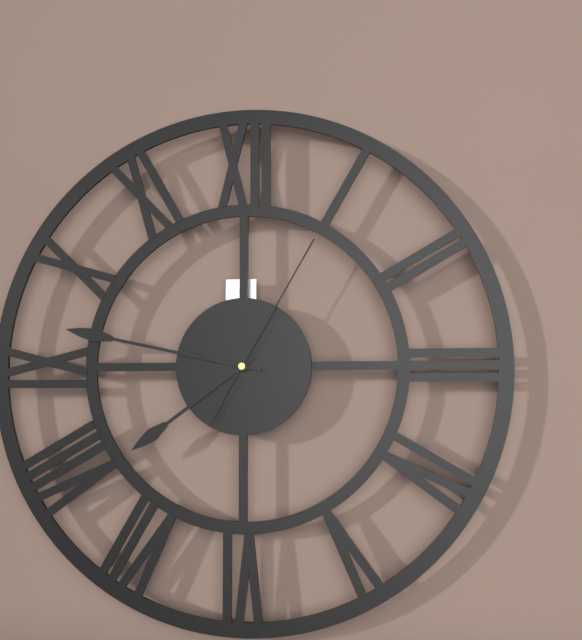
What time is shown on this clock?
7:47:05
